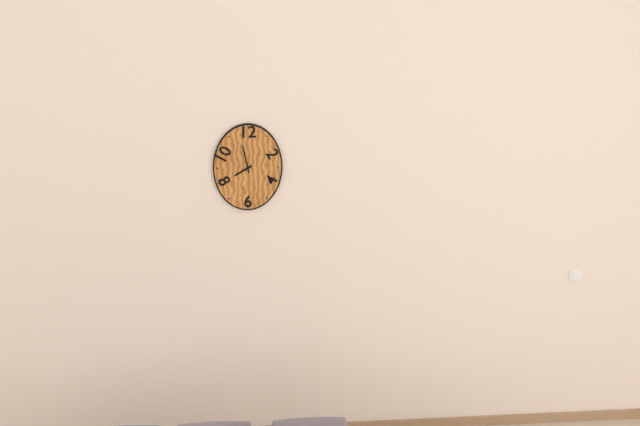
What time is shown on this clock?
7:58
